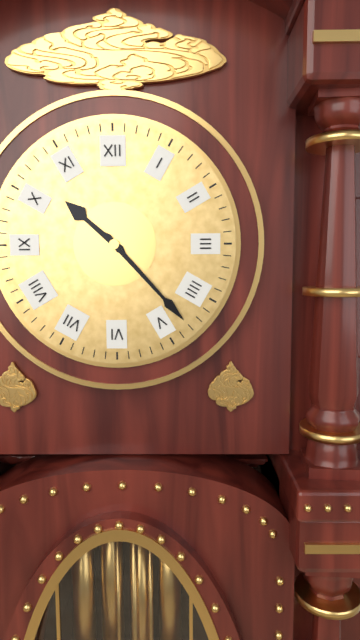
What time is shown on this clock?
10:23
